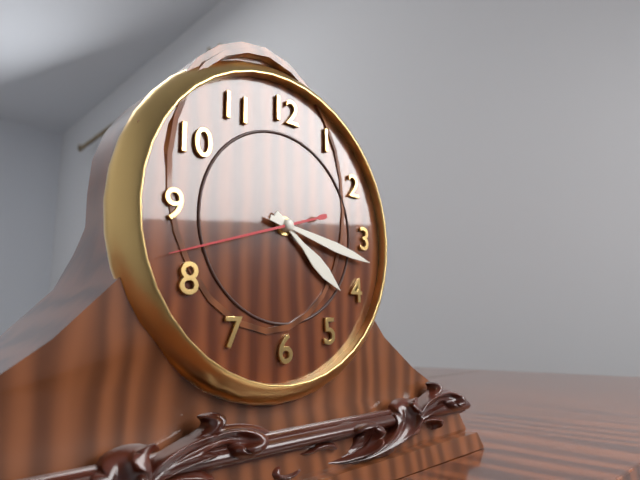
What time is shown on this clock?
4:17:42
